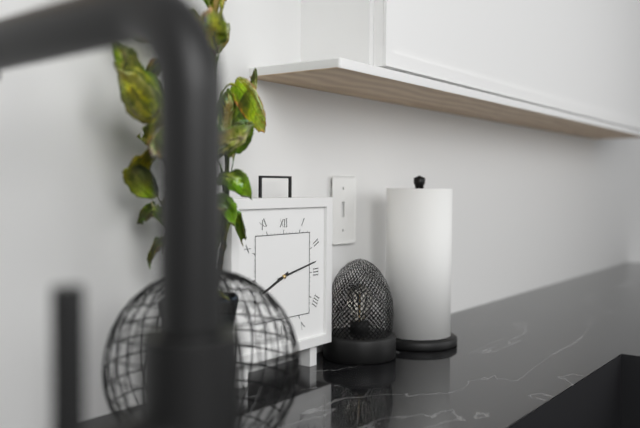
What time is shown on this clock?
8:13
